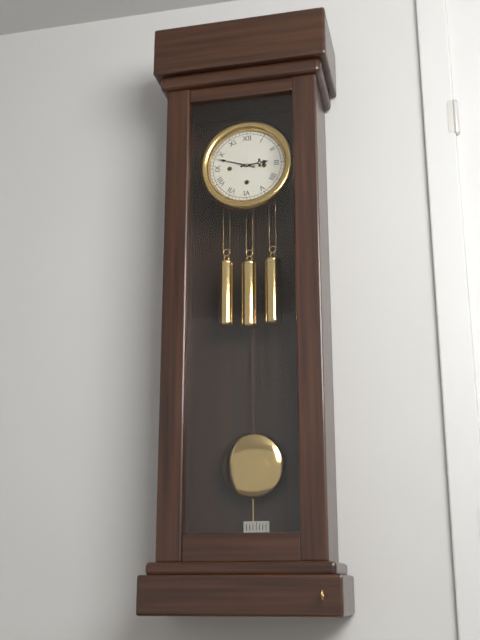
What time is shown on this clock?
2:48
